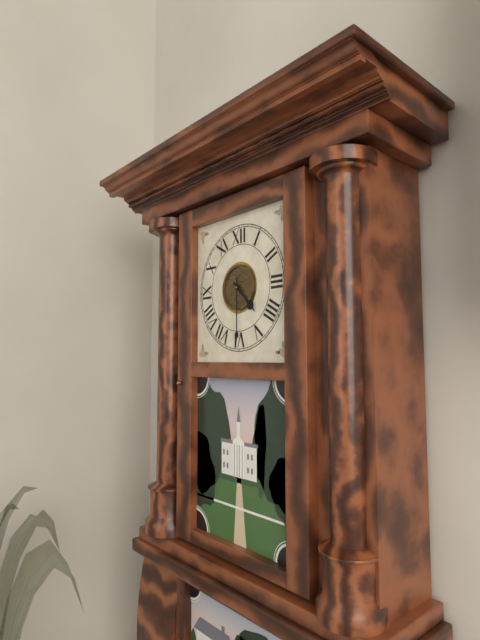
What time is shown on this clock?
4:30
